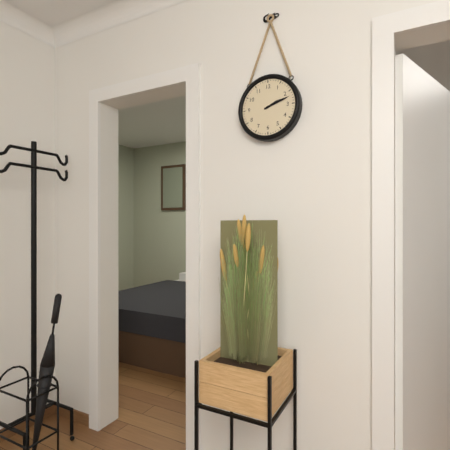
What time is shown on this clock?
2:12
